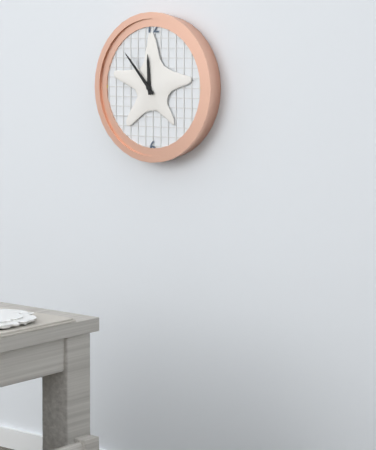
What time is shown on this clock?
11:53
